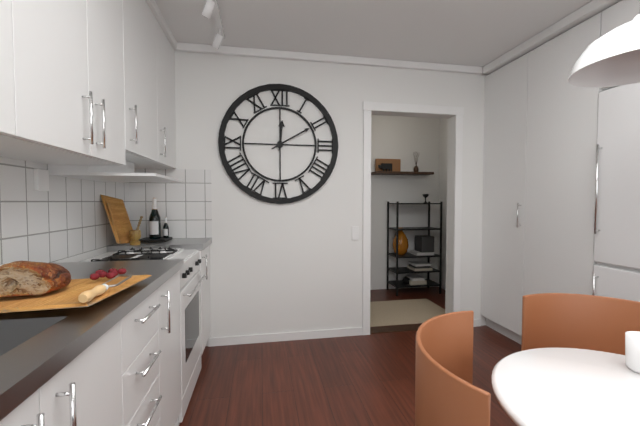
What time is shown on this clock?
12:10
